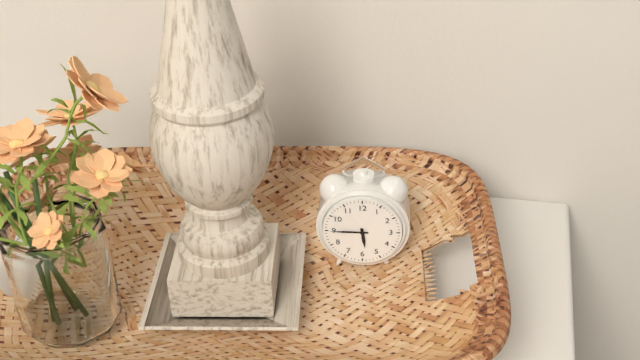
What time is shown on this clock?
5:45
